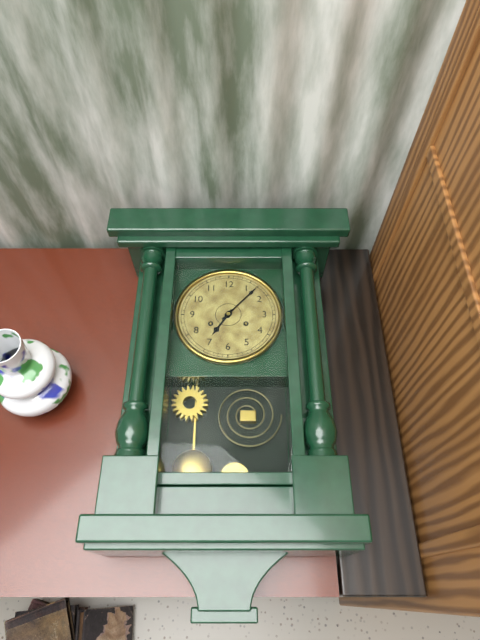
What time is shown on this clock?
7:07
